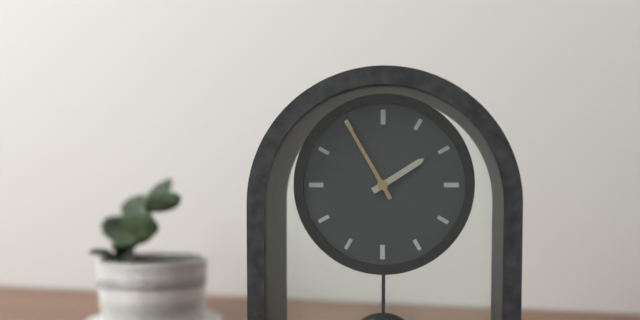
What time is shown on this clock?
1:55
